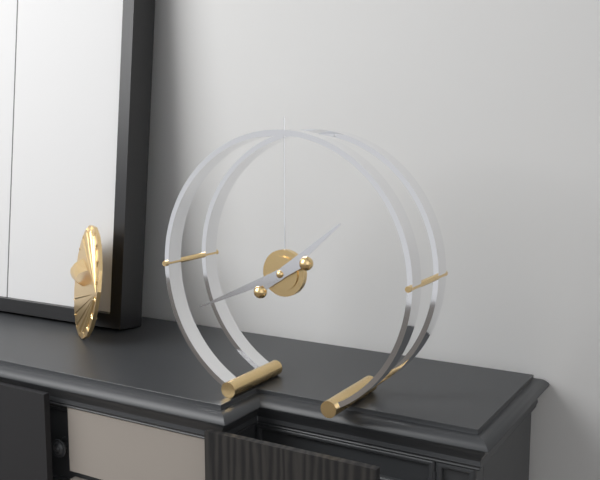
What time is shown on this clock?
1:41
